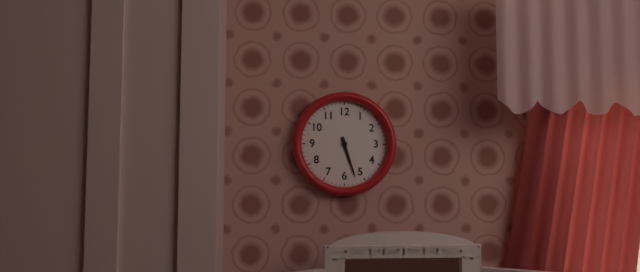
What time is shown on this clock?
5:27
